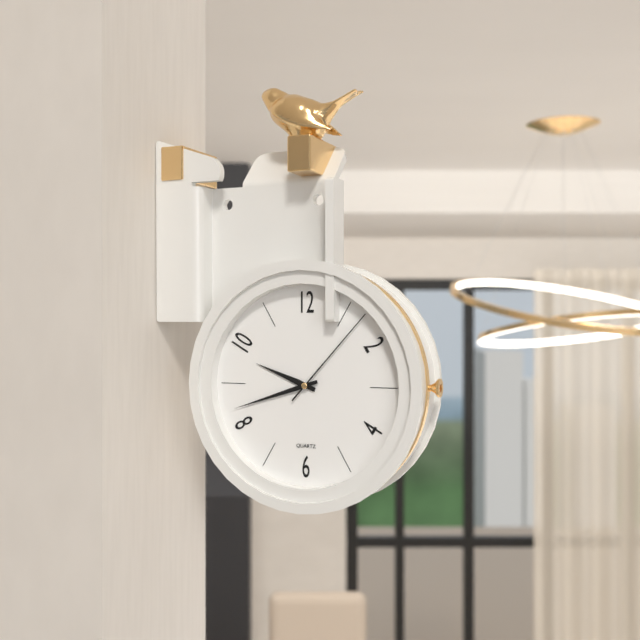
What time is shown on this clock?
9:42:07
